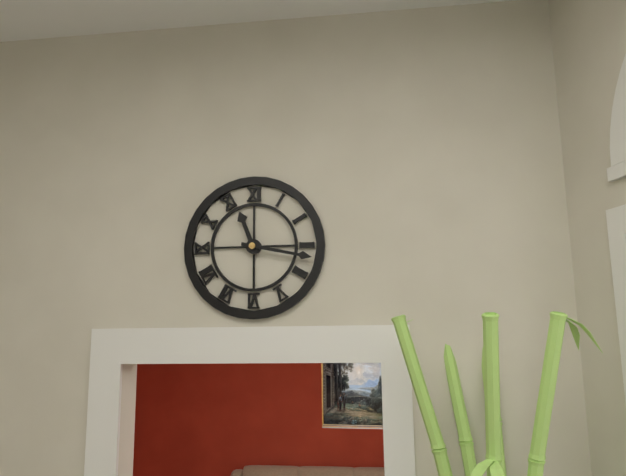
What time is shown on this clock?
11:17
